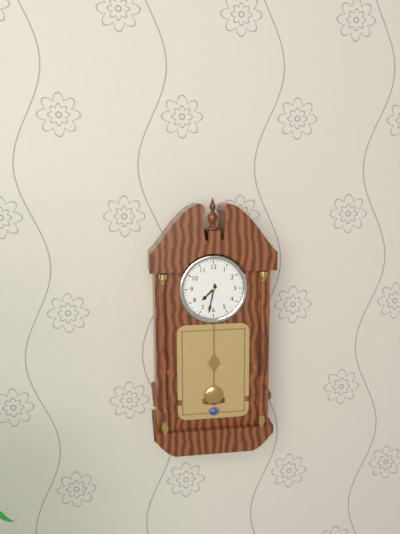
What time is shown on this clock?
7:32
